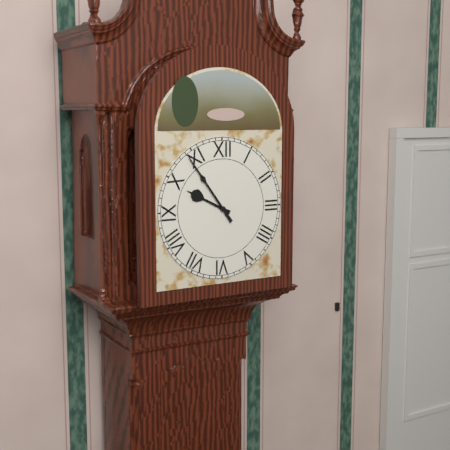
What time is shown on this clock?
9:54
